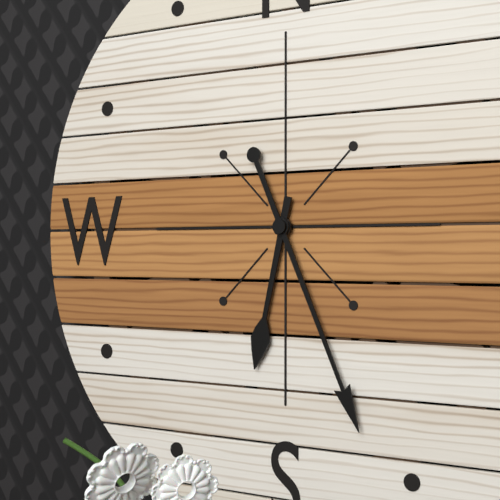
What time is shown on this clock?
6:26
